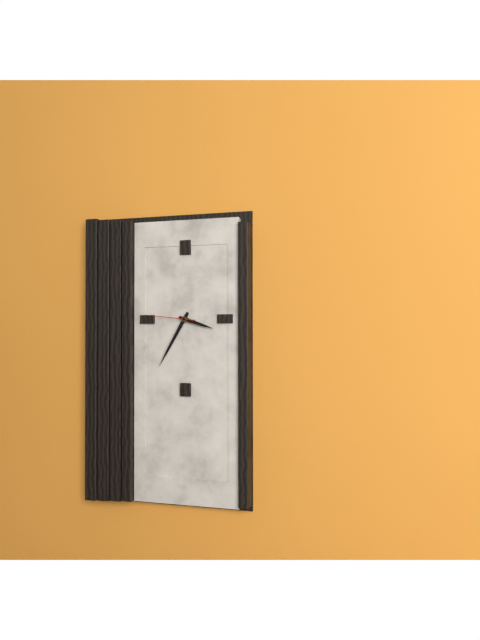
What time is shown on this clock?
3:35:46
